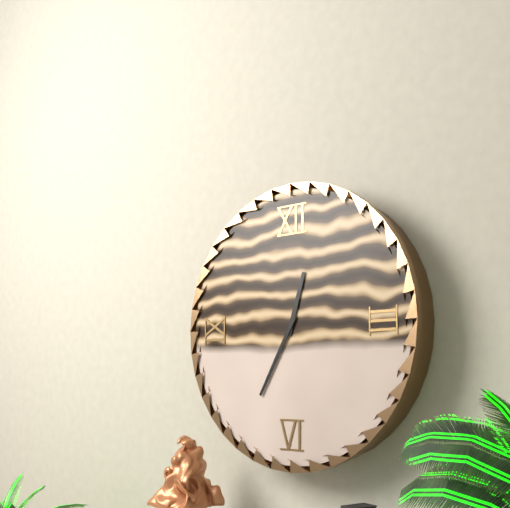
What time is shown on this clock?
12:35
